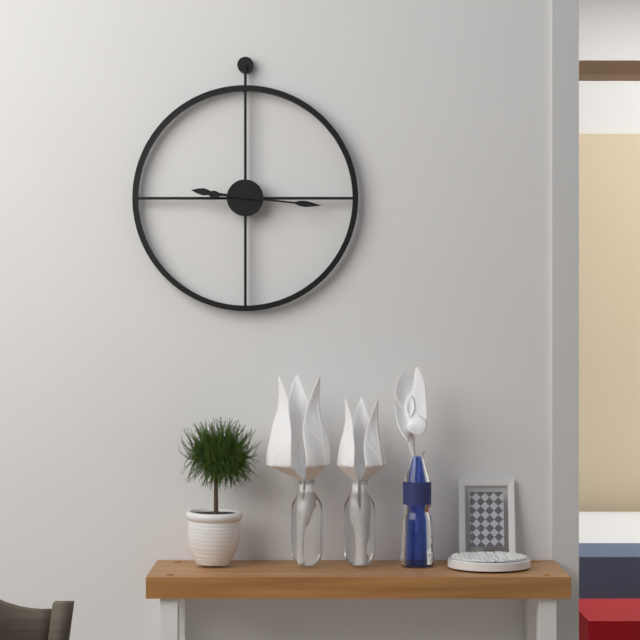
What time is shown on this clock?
9:16
